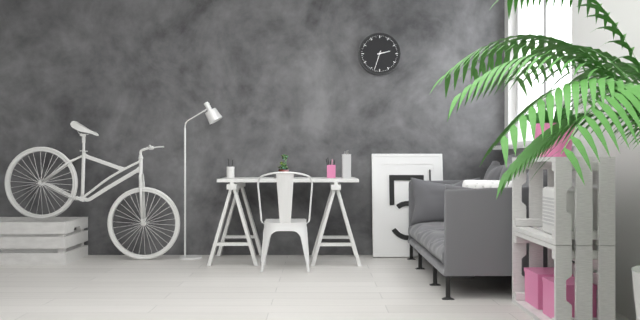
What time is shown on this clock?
2:33
